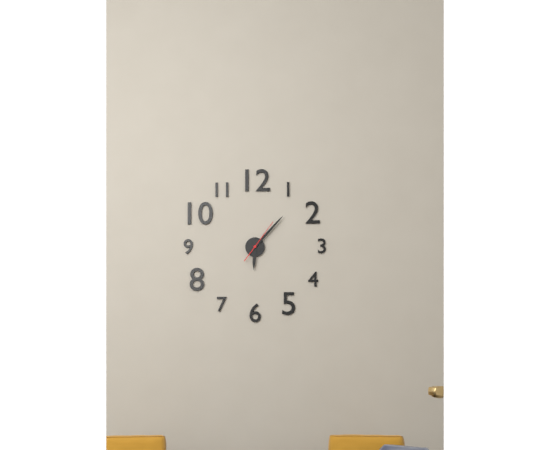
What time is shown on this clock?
6:07
